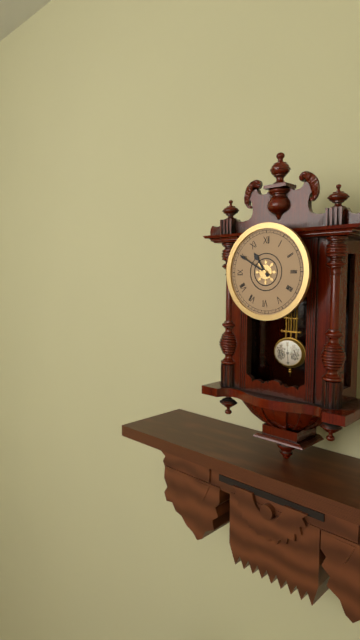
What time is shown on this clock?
10:50
